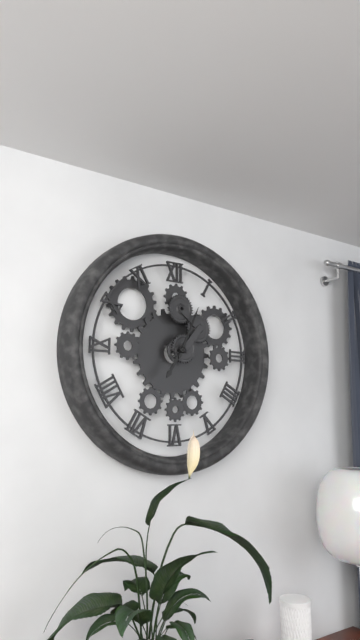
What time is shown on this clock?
7:04
